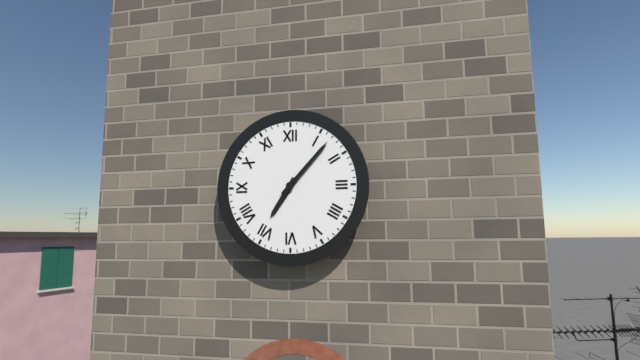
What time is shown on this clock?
7:07
